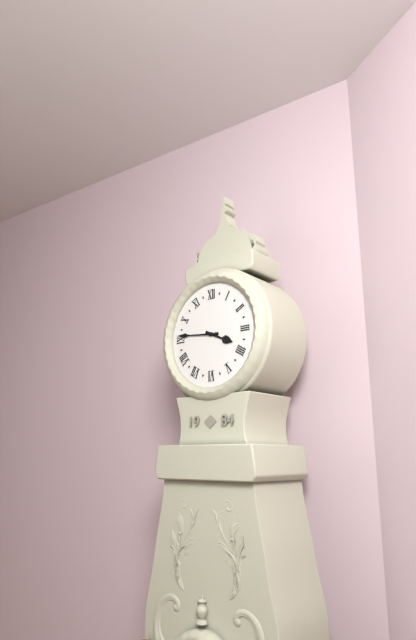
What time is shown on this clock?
3:46
